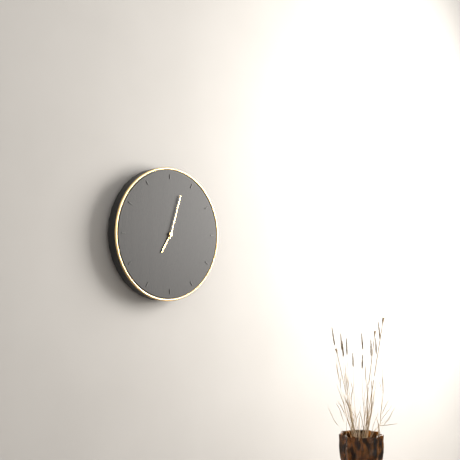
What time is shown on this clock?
7:03
